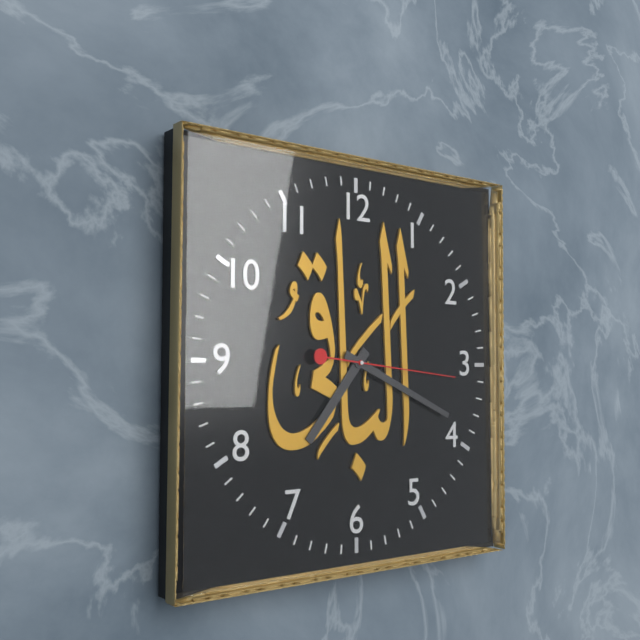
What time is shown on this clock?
7:19:16
